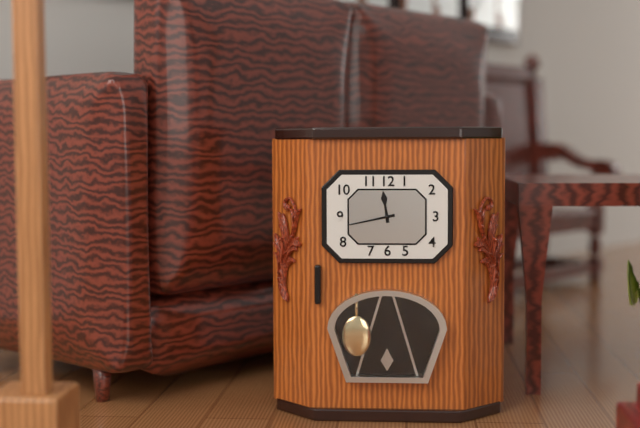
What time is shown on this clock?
11:43
